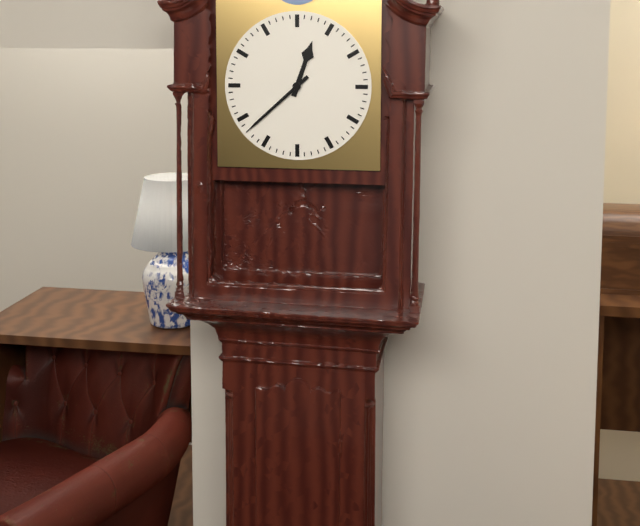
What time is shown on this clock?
12:38
